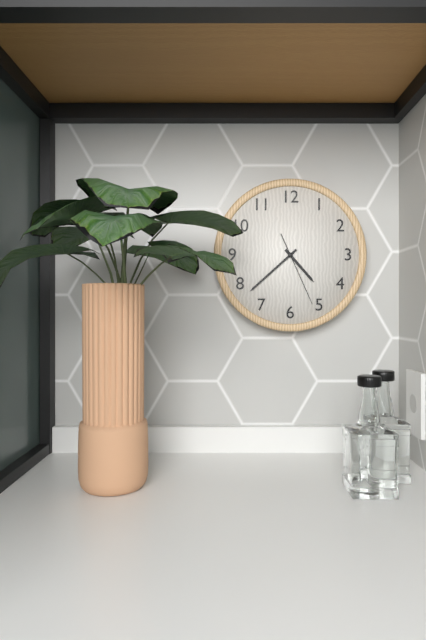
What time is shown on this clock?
4:38:26
